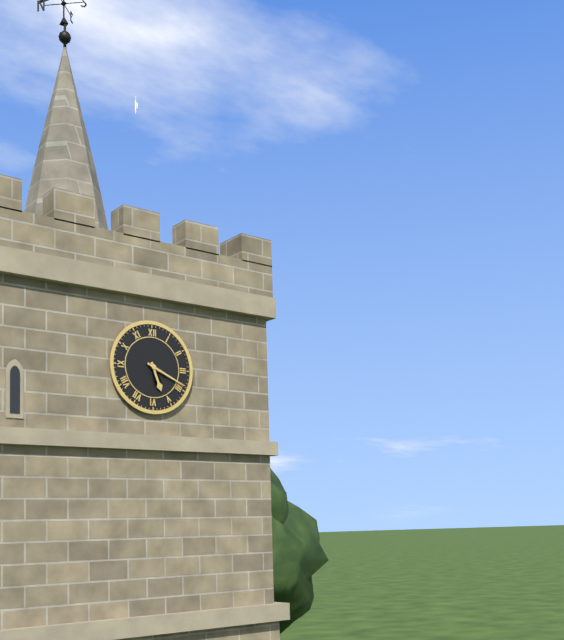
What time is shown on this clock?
5:19
